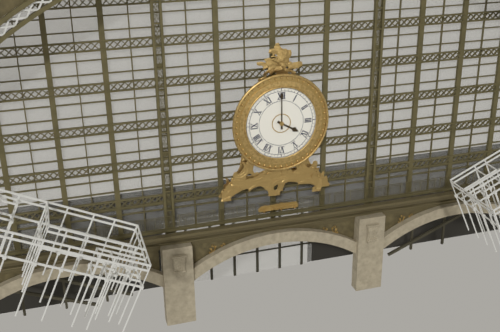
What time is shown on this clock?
4:00
